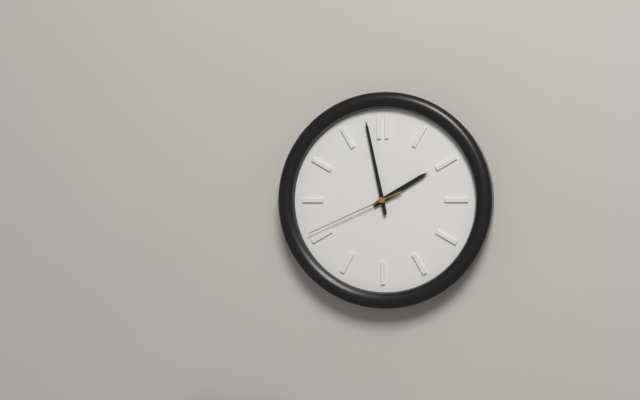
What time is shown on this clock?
1:58:41
